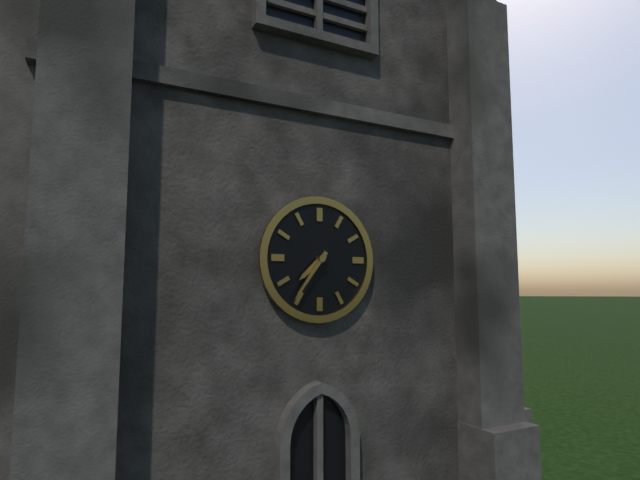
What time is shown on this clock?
7:36
